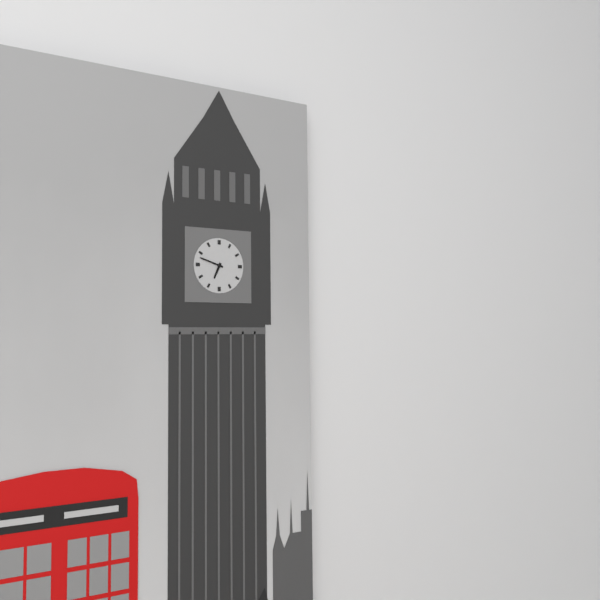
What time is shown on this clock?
6:48
